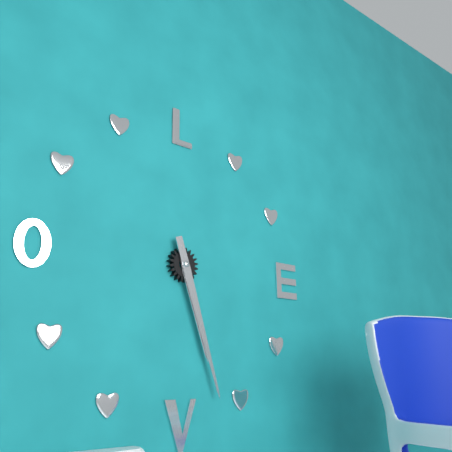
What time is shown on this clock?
5:27
